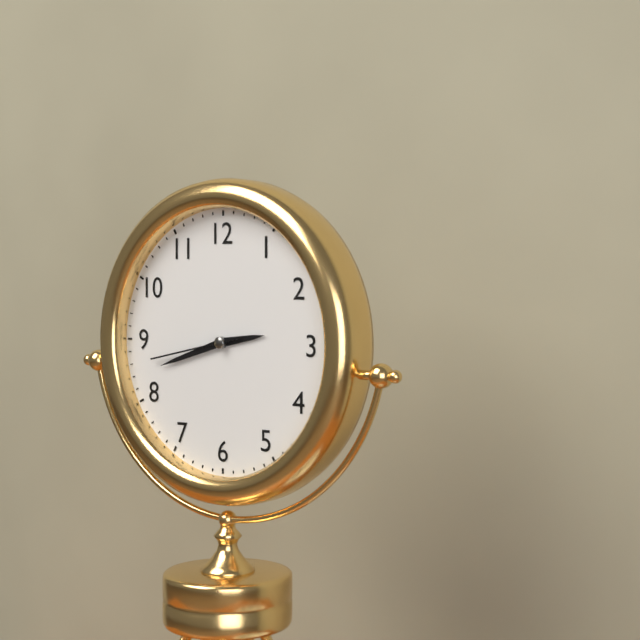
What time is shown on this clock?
2:42:43
